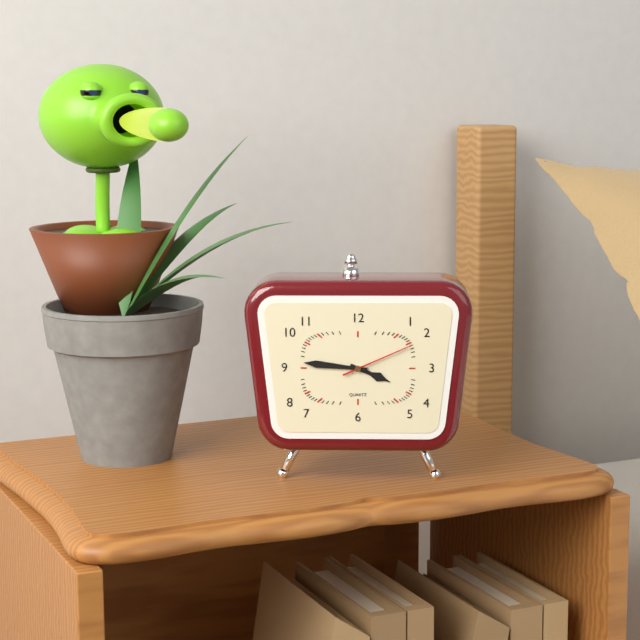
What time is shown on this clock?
3:46:11
